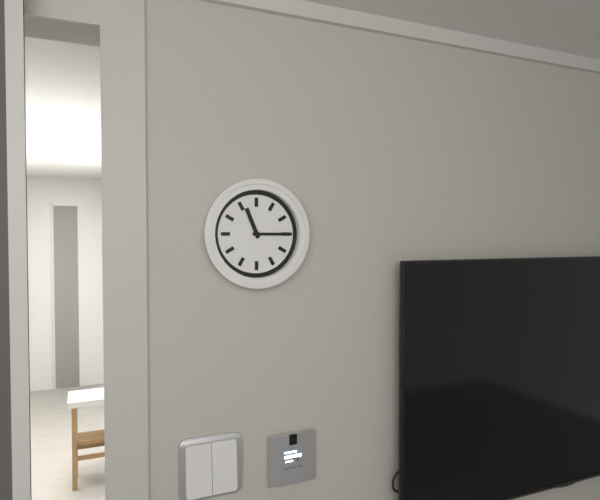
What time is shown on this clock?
11:15
